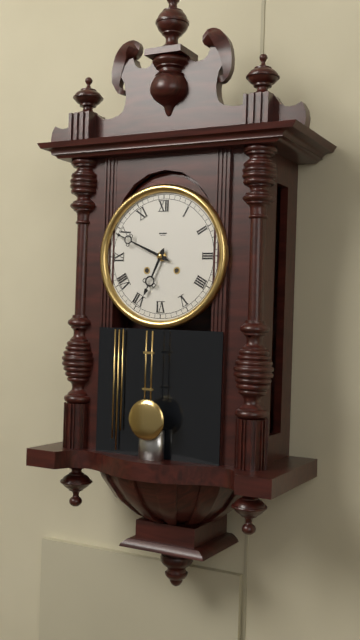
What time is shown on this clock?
6:49
